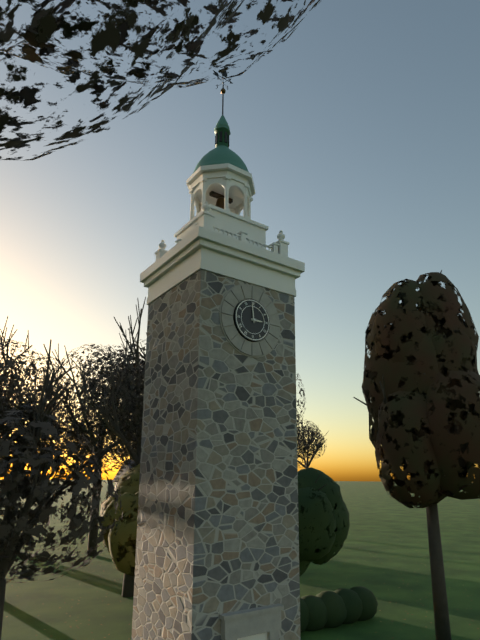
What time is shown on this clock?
2:59
